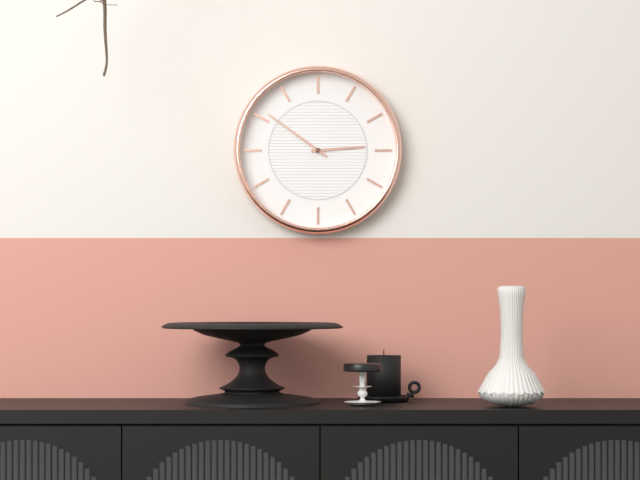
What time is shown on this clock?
2:51
